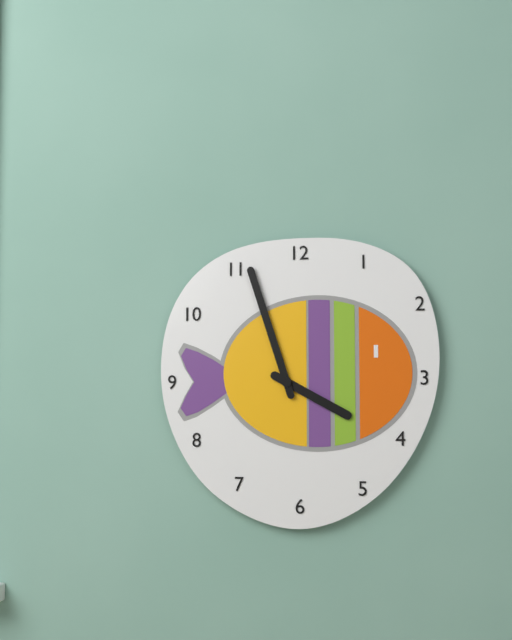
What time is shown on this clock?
3:57
